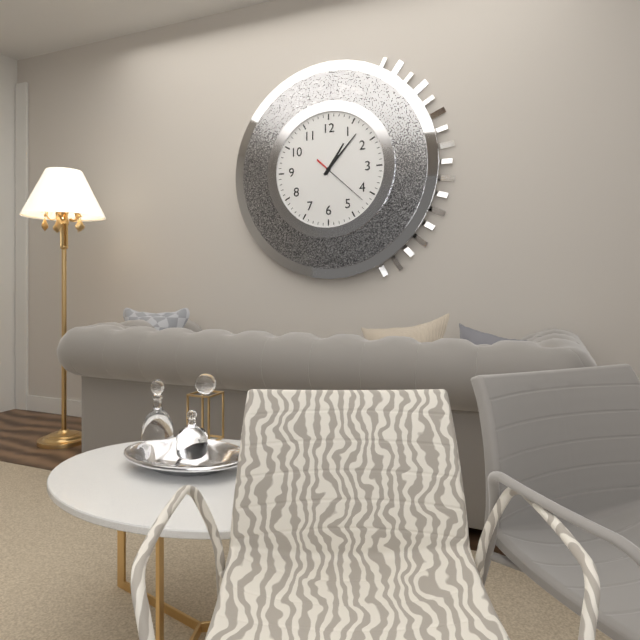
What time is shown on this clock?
1:07:22
